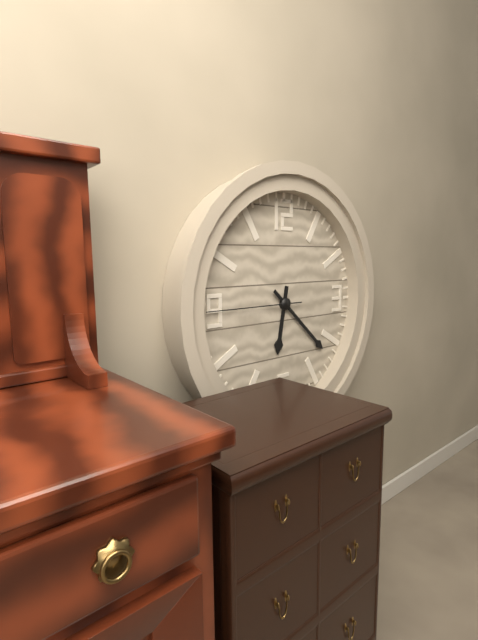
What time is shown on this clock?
6:22:45
